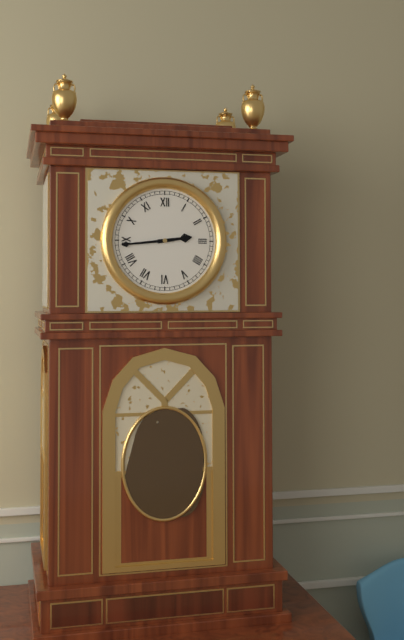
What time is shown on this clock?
2:44
